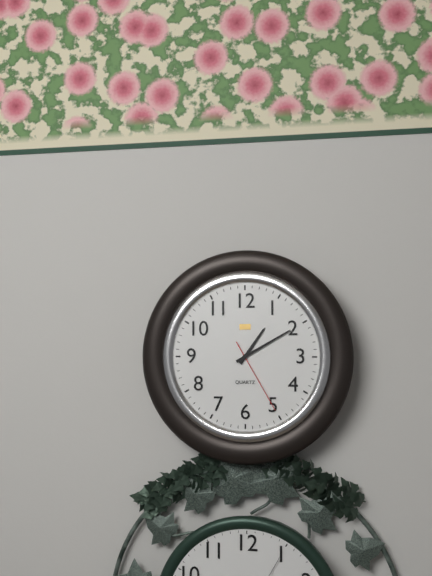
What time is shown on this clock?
1:10:25
